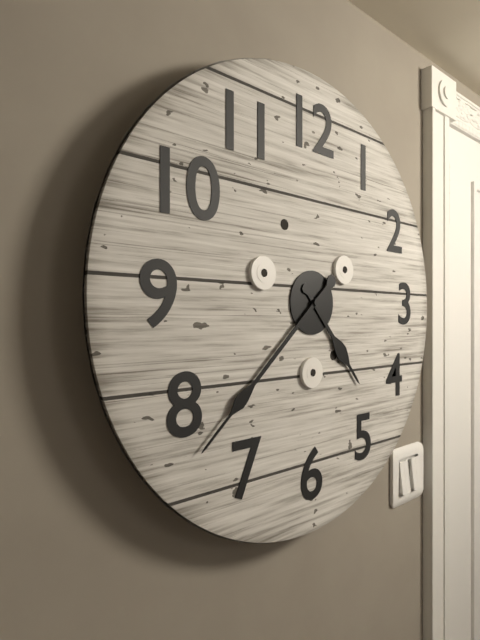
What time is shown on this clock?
4:38
